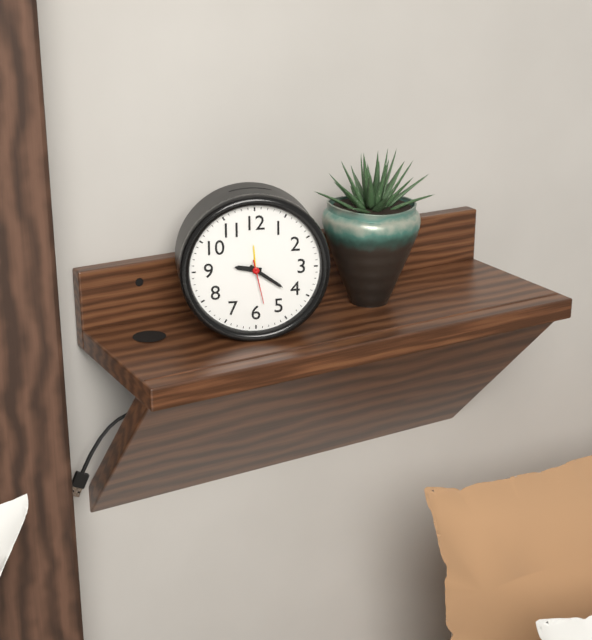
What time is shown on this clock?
9:21
